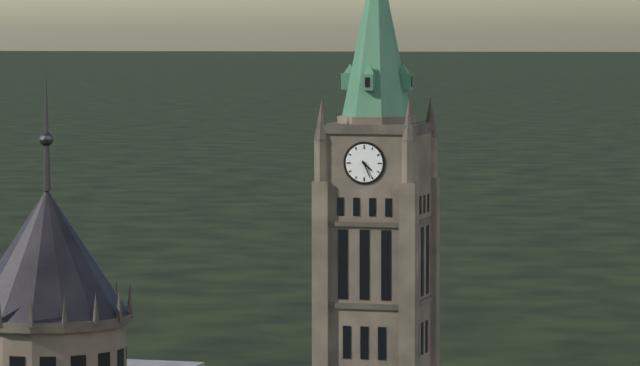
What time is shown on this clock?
4:26
